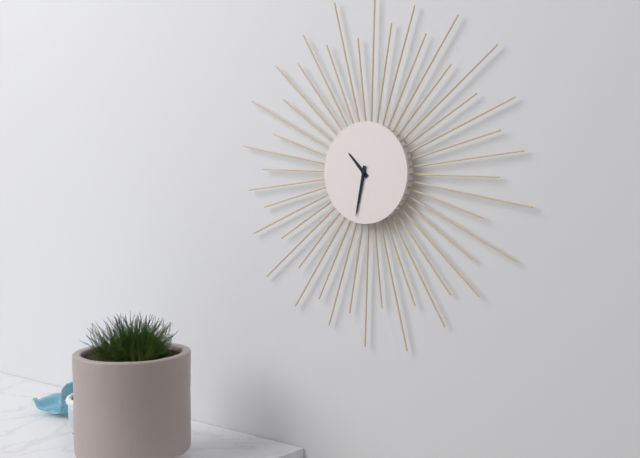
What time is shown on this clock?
10:32
